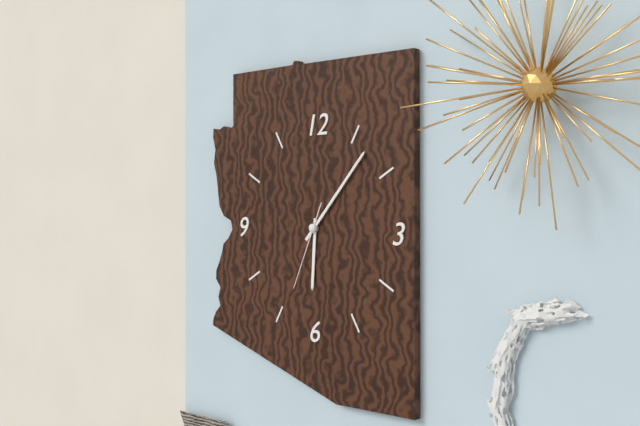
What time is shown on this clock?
6:07:34
